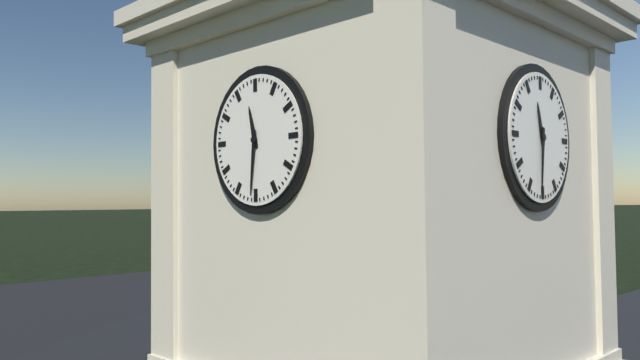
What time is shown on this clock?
11:31
